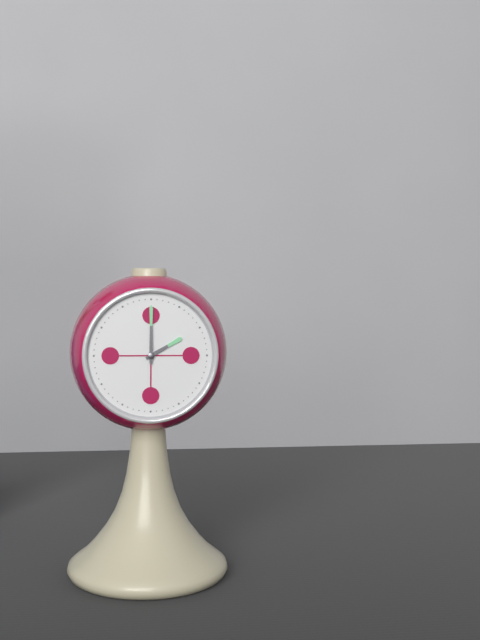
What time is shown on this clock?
2:00
